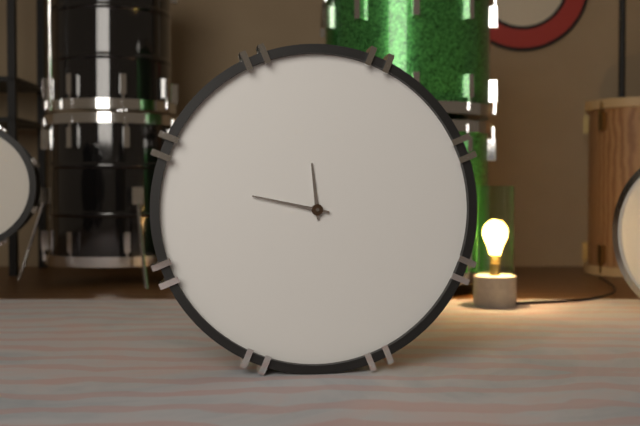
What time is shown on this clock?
11:47
